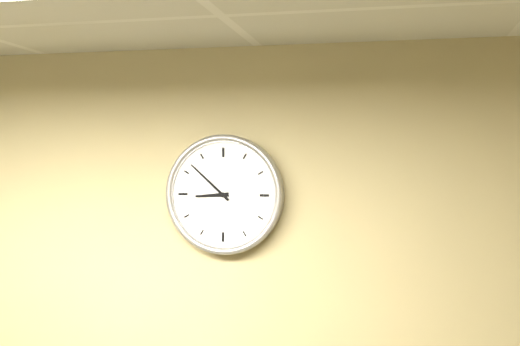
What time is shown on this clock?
8:52
